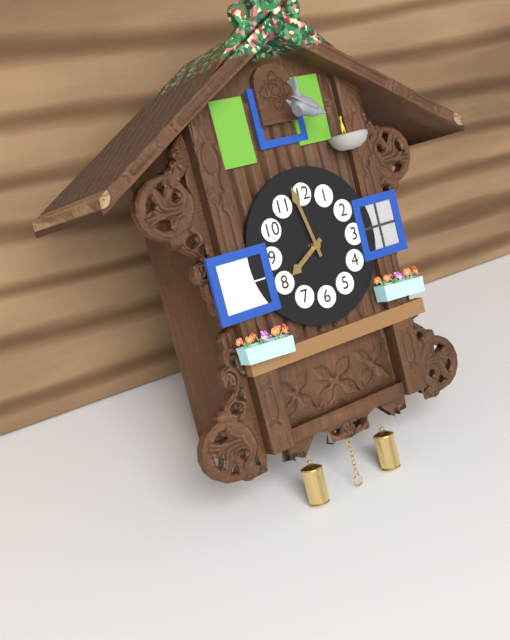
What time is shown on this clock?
7:58
